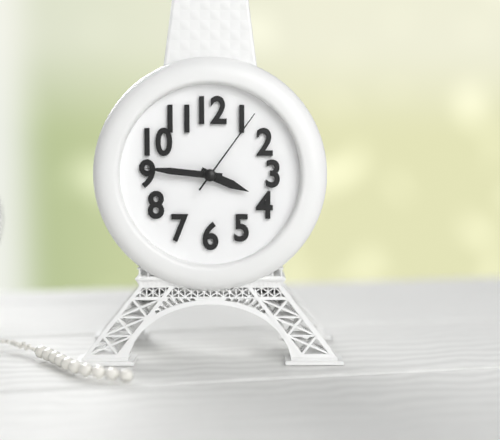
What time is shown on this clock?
3:46:06
